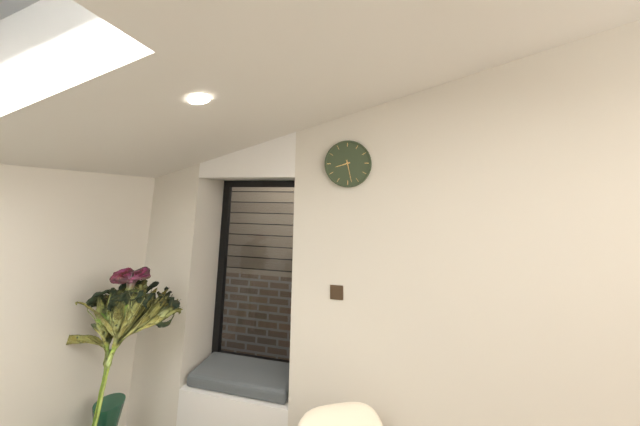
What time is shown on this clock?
8:28
